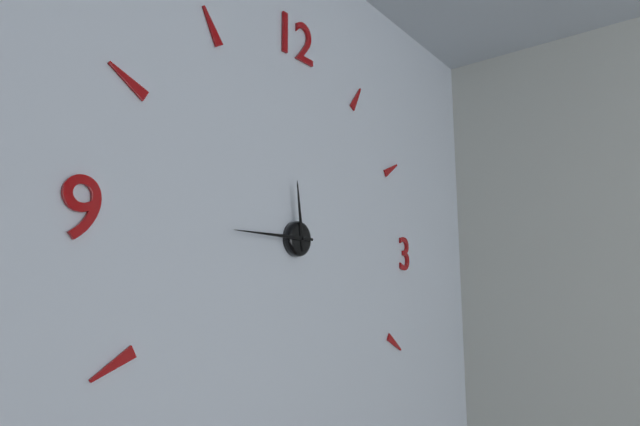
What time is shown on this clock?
11:45
